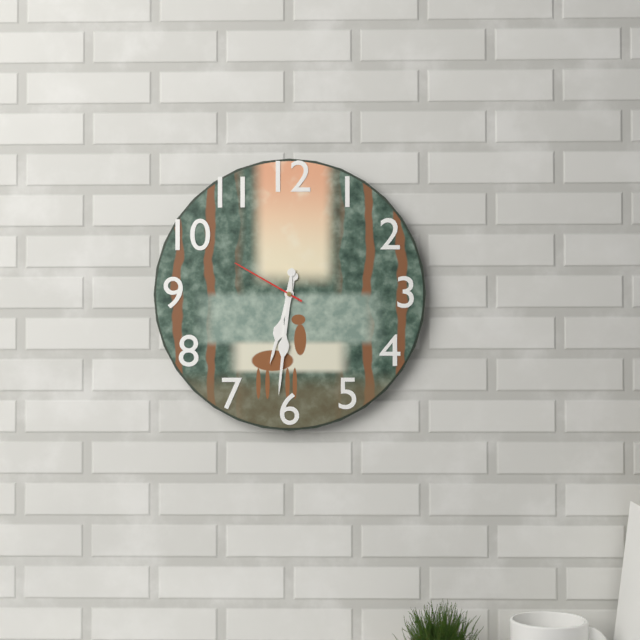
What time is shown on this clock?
6:31:50
